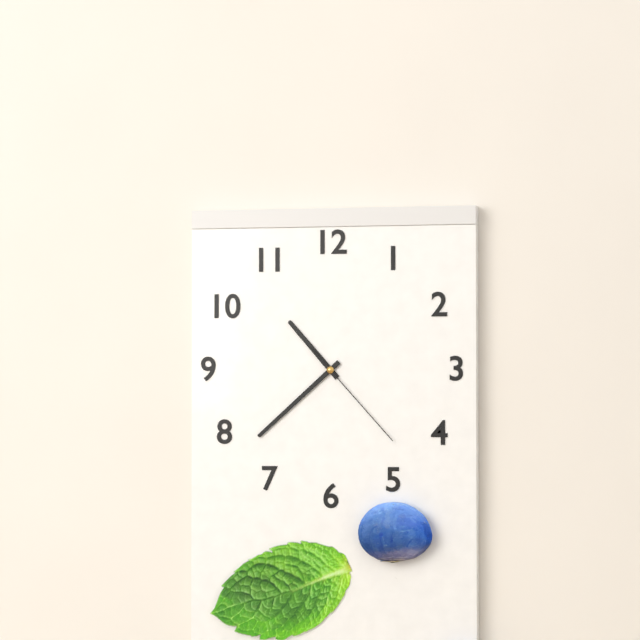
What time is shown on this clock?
10:38:23
